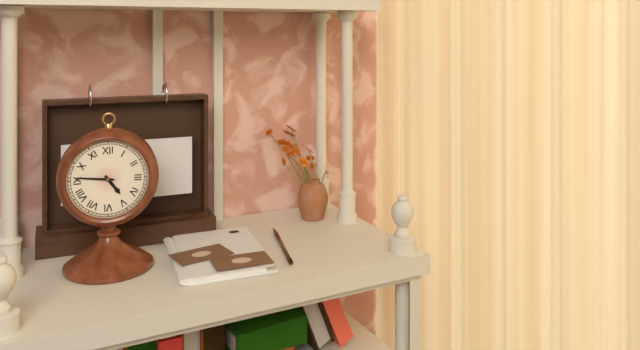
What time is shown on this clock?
4:46
